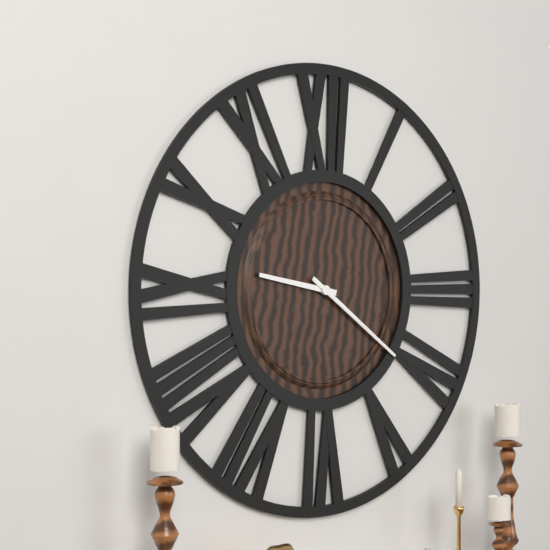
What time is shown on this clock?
9:21
